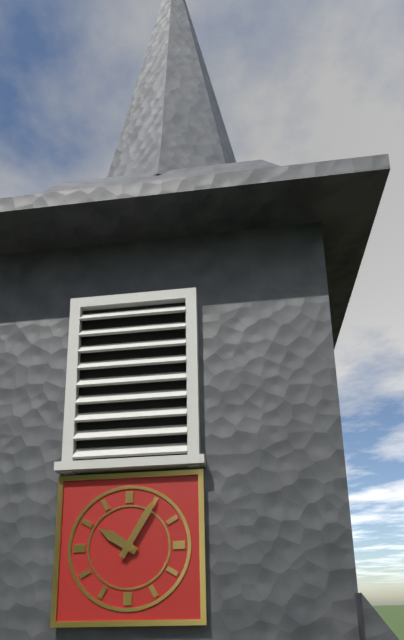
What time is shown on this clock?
10:05
